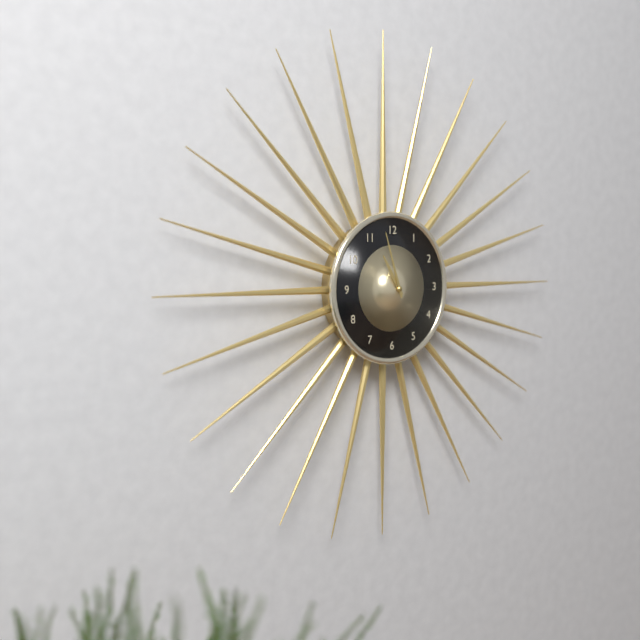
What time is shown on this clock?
10:57
